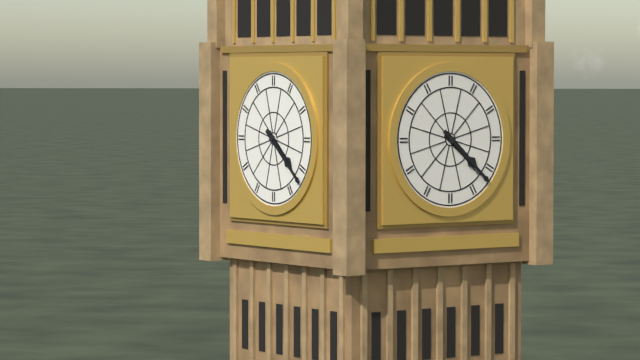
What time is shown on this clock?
4:22
